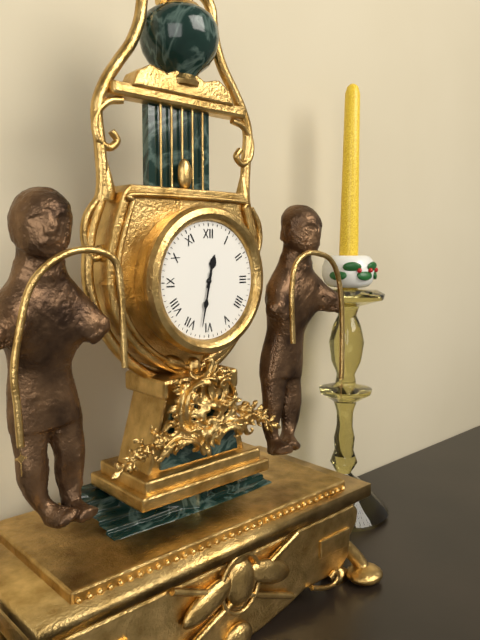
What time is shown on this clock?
12:32
